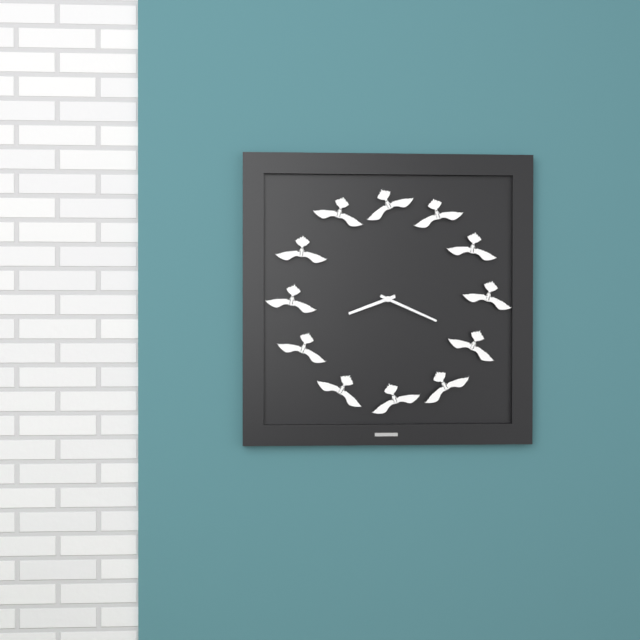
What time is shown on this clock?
8:19
